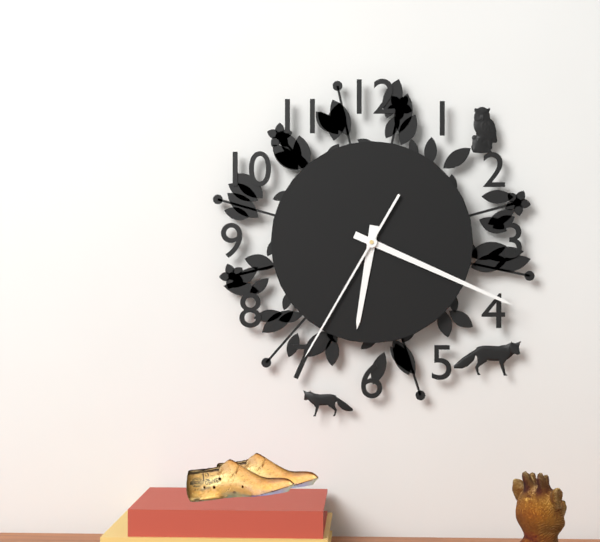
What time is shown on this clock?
6:19:35
